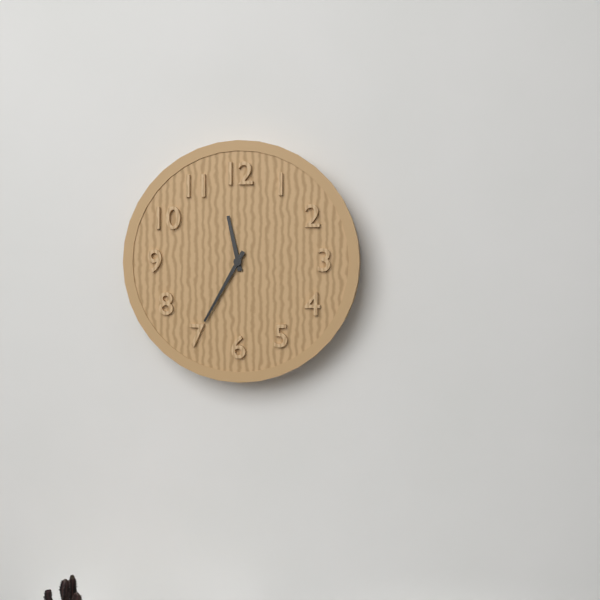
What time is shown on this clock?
11:35
